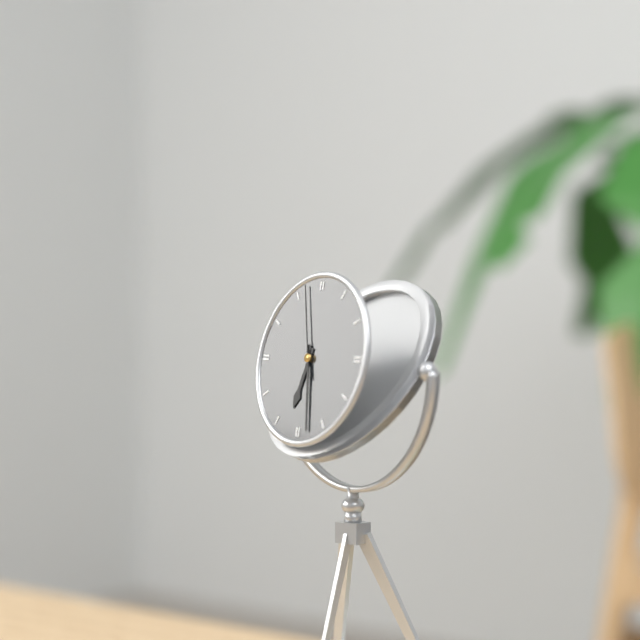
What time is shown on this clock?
6:28:57
